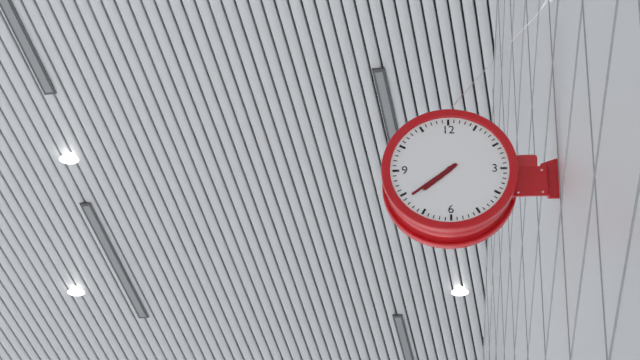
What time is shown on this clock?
7:39
